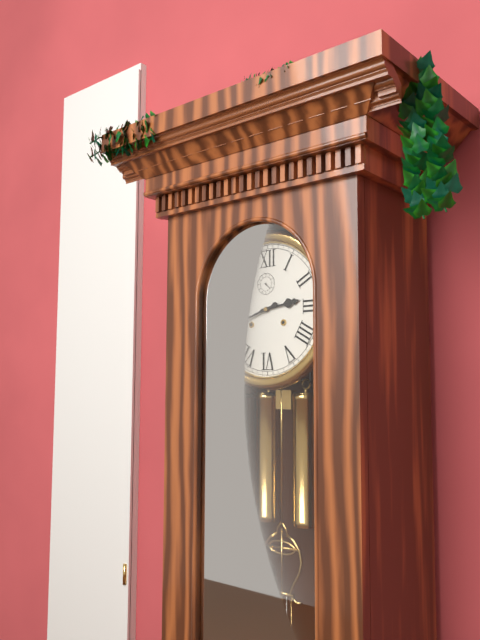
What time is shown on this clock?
2:42
